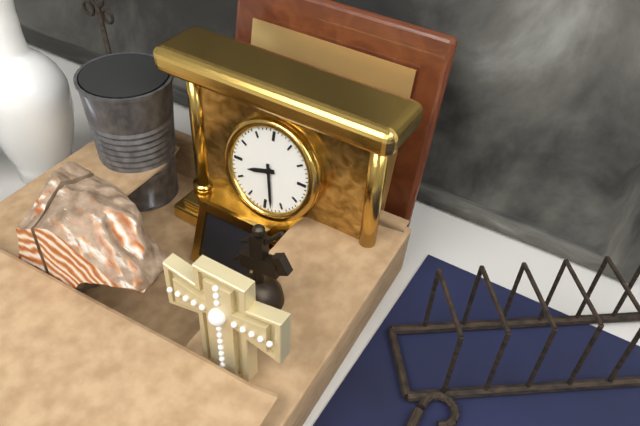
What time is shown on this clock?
8:28
